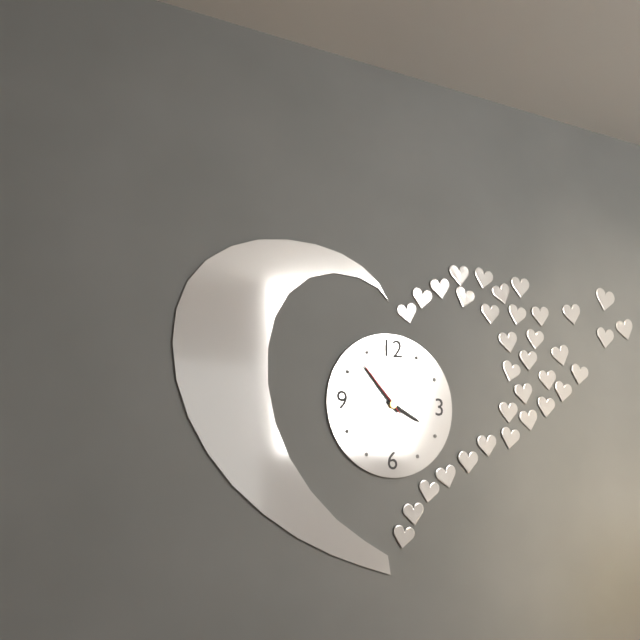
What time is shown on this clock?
3:53:53
